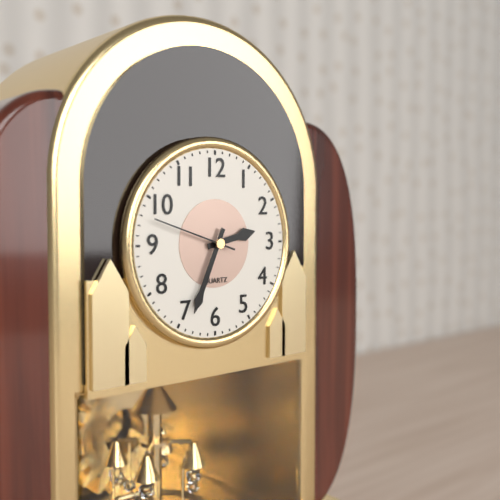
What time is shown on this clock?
2:34:48
